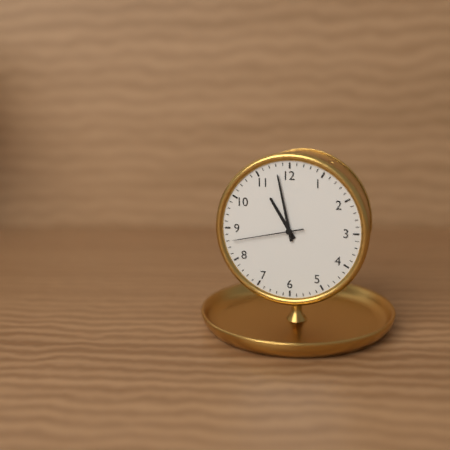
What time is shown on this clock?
10:58:43
